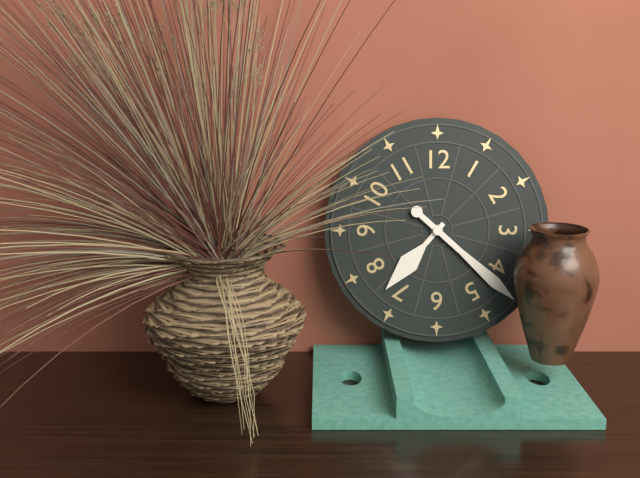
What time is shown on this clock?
7:22
